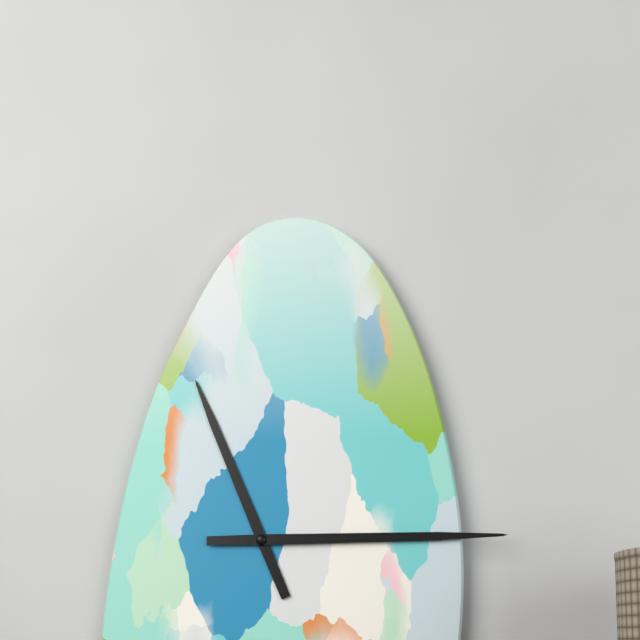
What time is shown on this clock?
11:15
